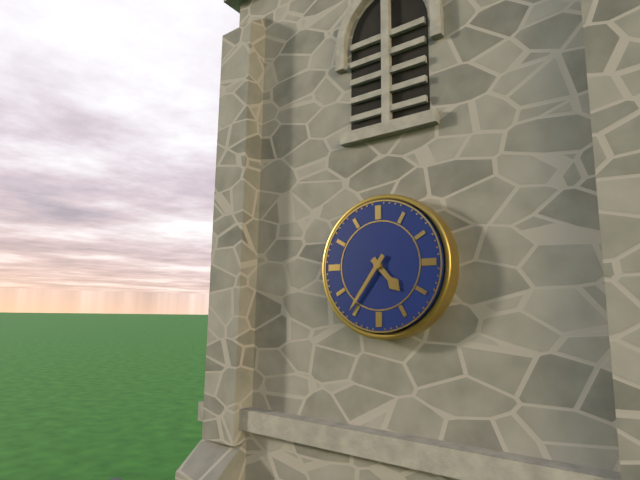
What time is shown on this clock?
4:36
